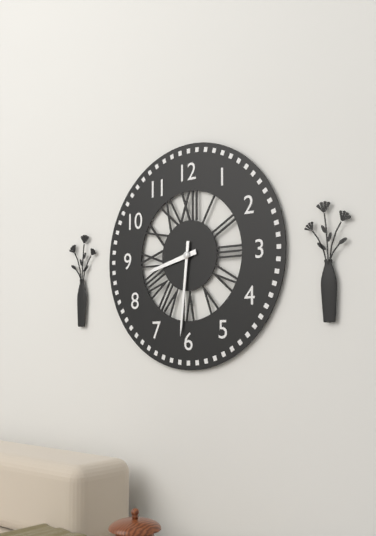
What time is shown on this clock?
8:31
